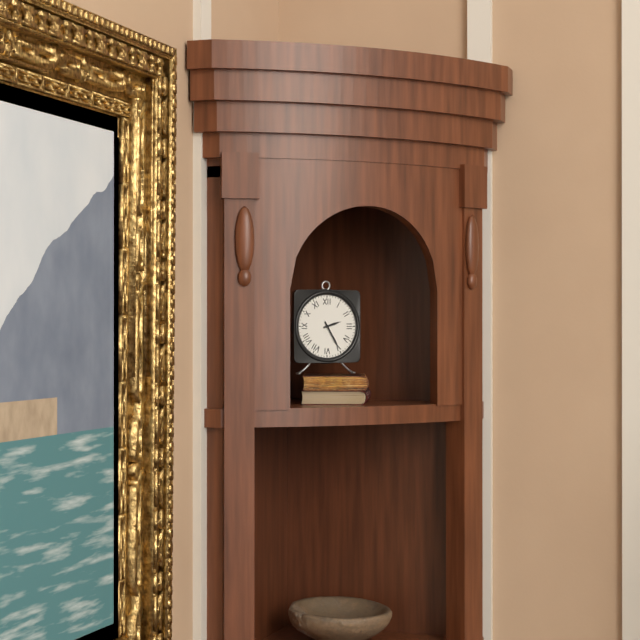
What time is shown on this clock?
2:25
